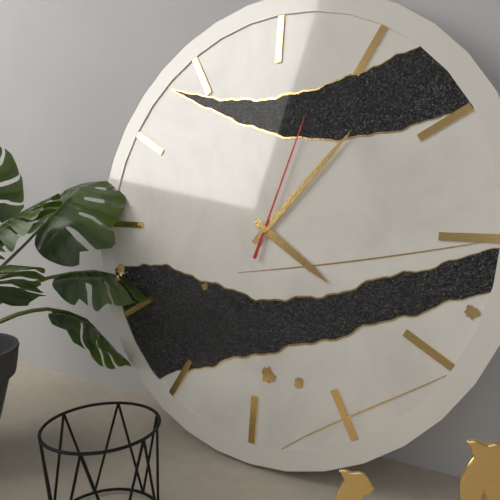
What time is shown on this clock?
4:07:03
